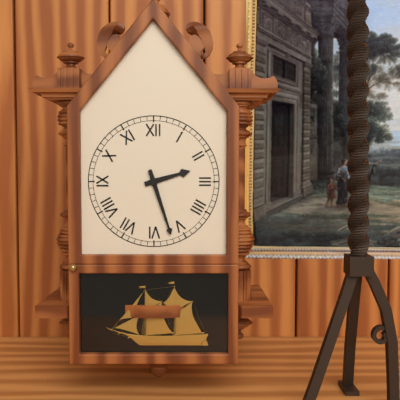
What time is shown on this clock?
2:27
